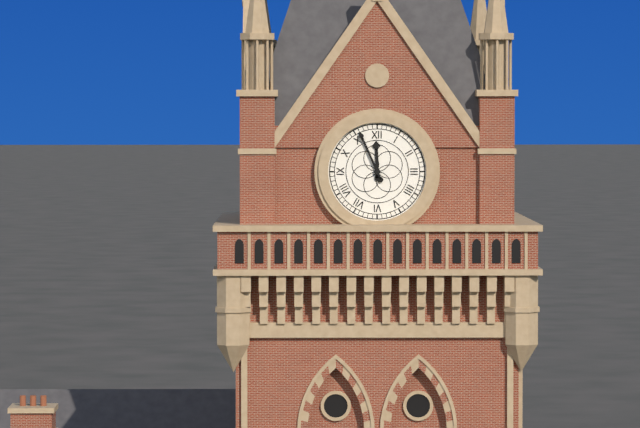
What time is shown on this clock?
11:56
